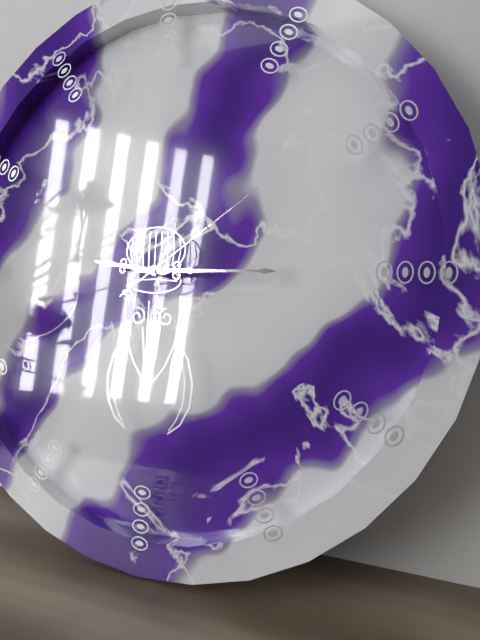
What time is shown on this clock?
9:15:09
